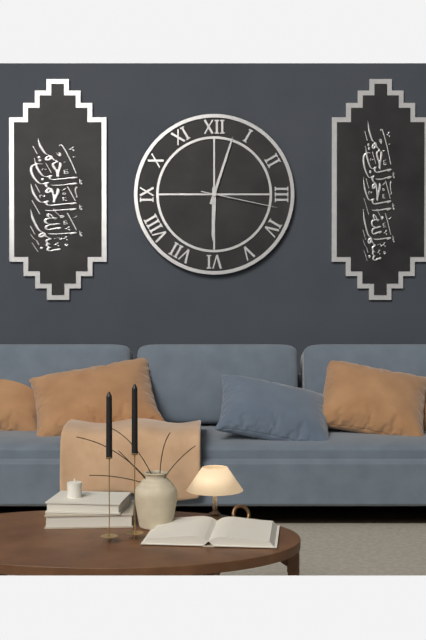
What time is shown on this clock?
6:03:17
